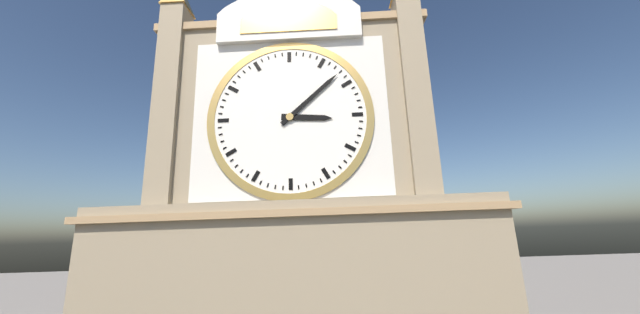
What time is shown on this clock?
3:08
